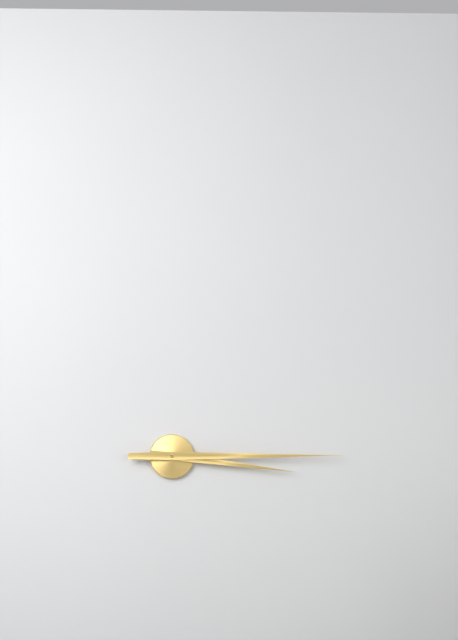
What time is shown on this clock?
3:15
